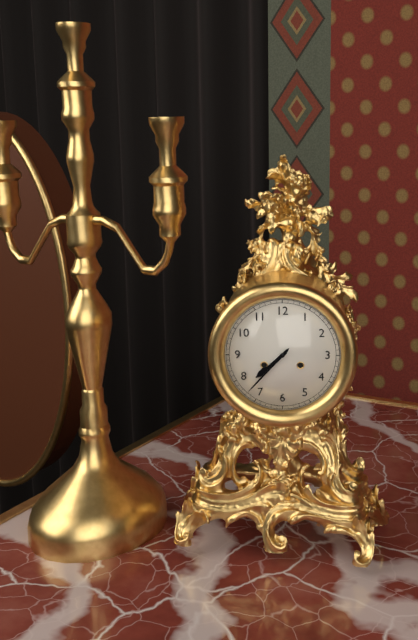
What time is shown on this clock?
7:37
